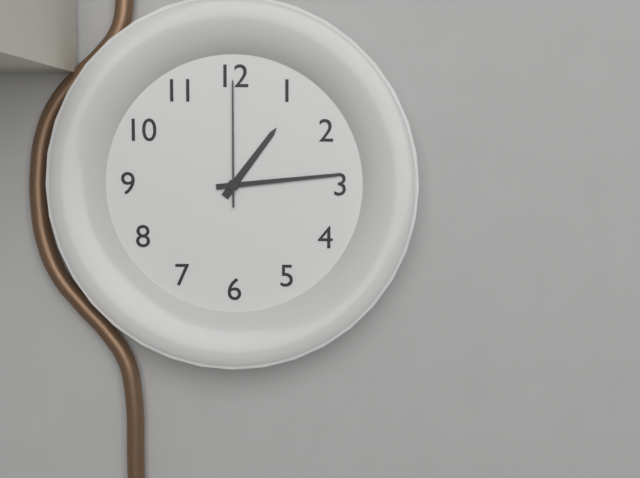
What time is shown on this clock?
1:14:00
